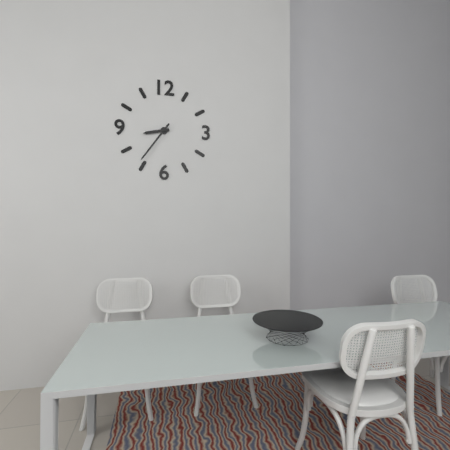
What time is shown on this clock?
8:36
